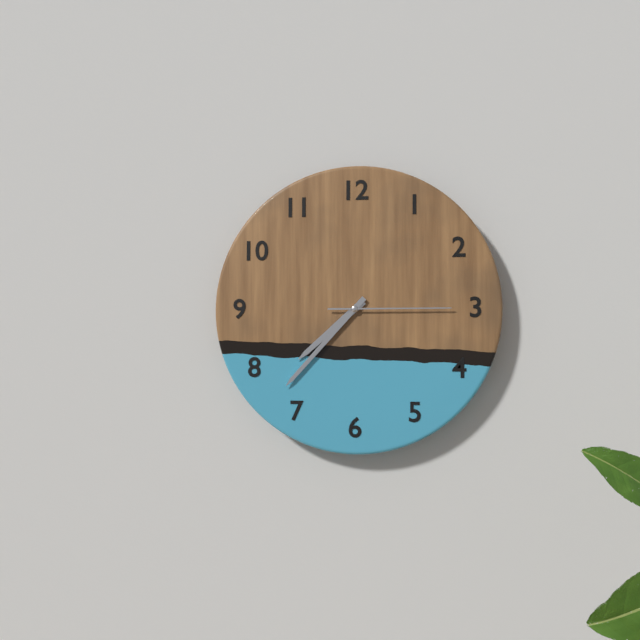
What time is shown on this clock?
7:37:15
